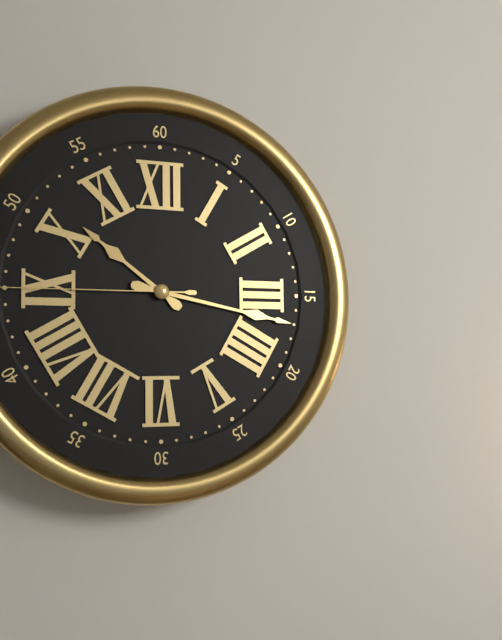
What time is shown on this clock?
10:17
